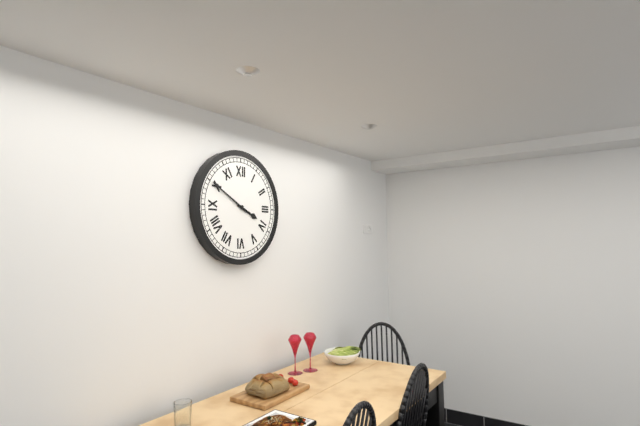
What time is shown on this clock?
3:50
